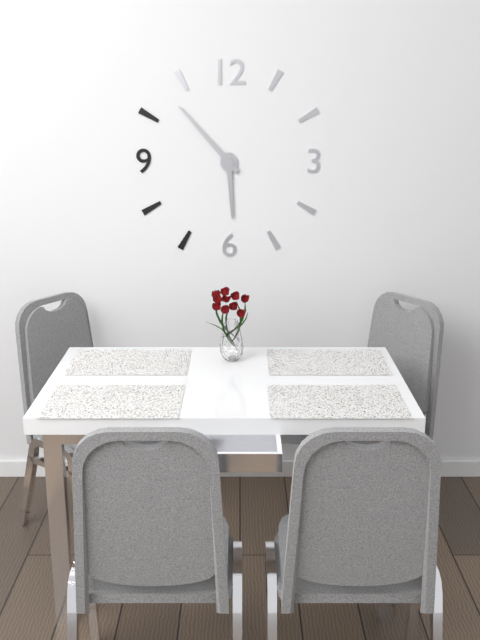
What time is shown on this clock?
5:53
